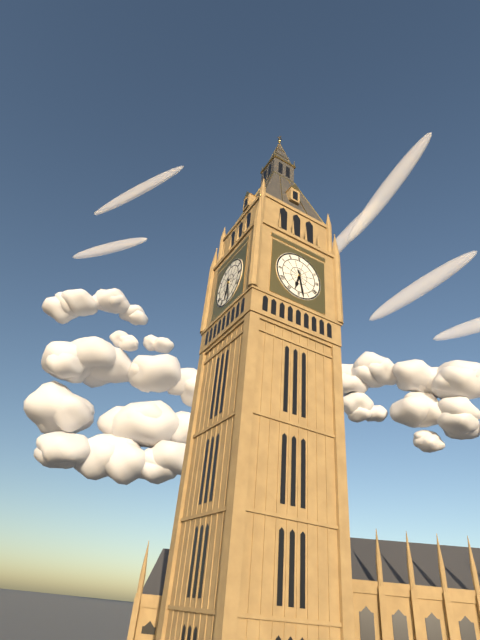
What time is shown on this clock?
6:28
